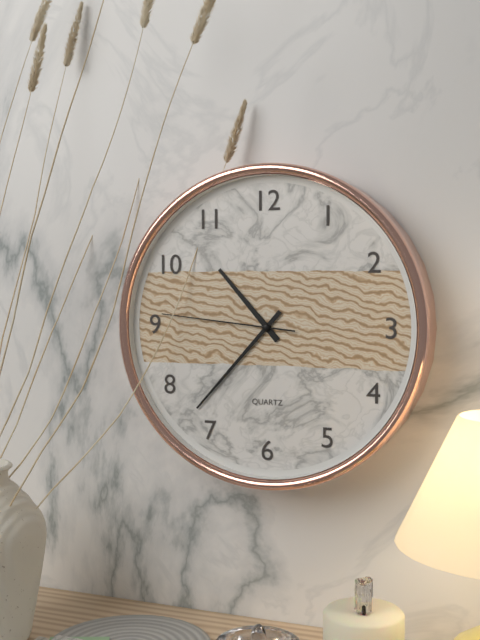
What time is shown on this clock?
10:37:46
